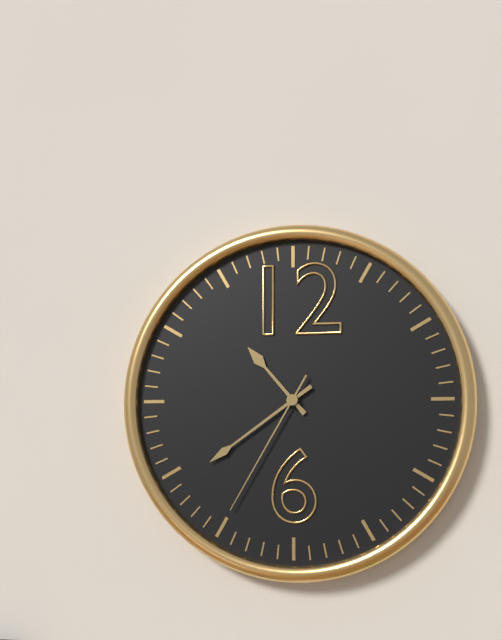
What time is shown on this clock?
10:39:35
